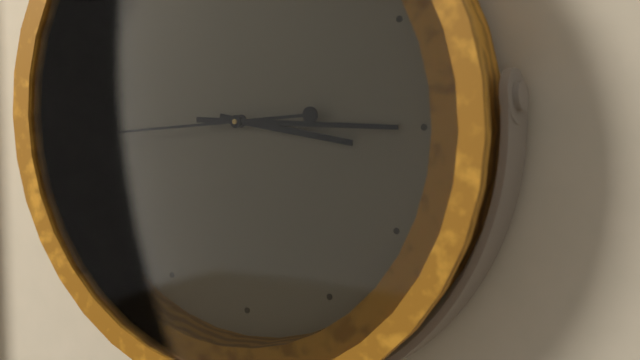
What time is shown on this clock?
3:15:44
